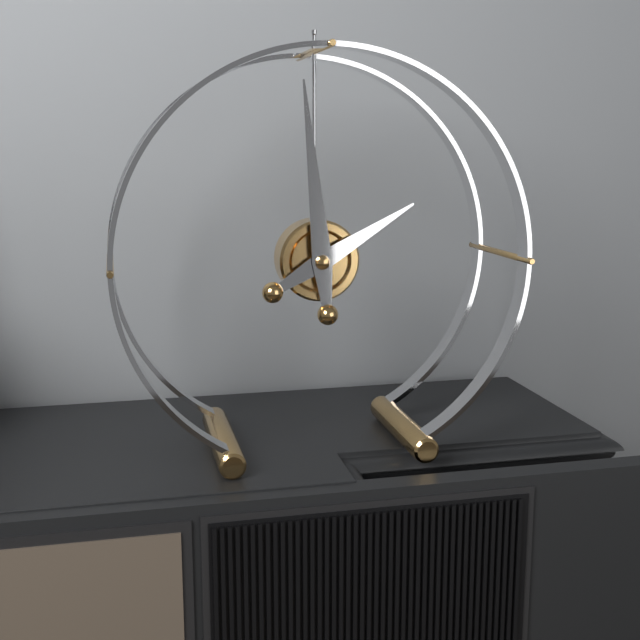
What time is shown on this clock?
1:59
